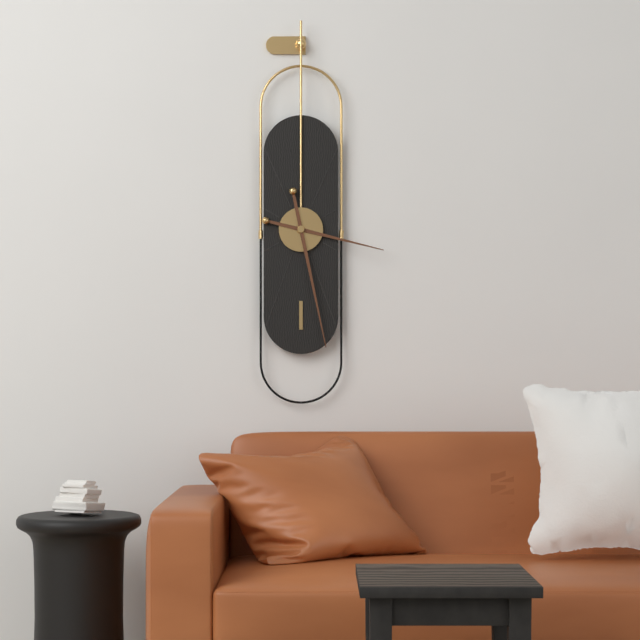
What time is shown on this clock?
3:28
